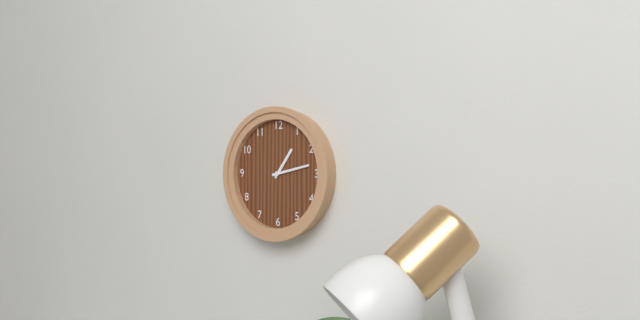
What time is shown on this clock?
1:13
